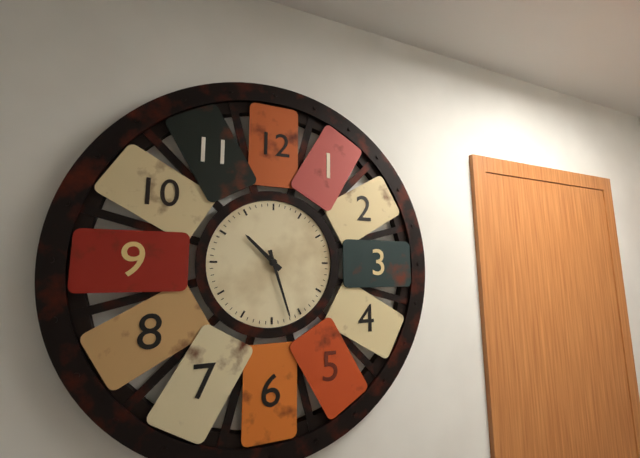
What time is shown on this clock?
10:27
